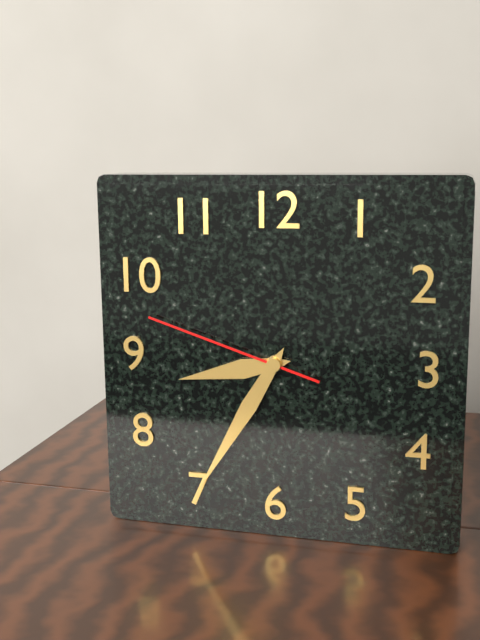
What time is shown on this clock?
8:35:48
